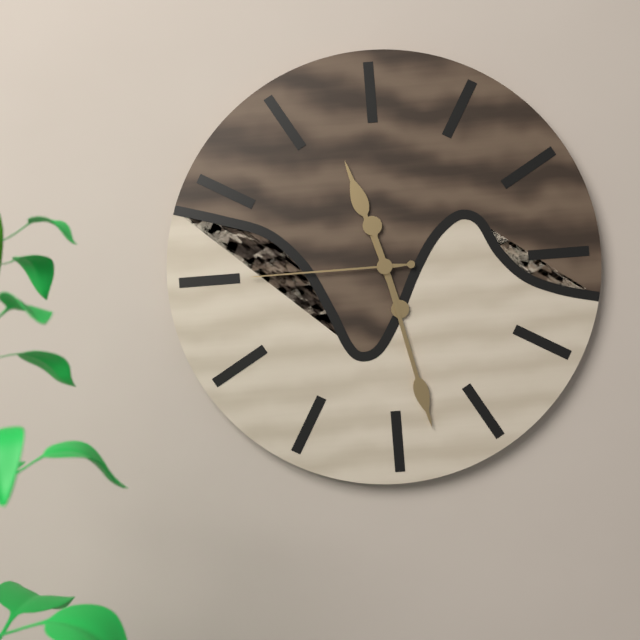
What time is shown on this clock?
11:28:45
